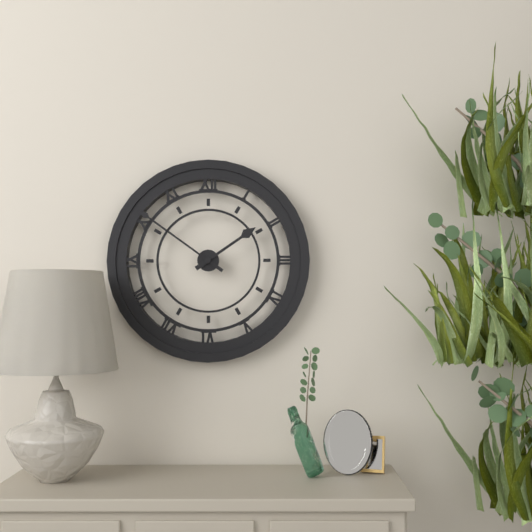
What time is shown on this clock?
1:51
